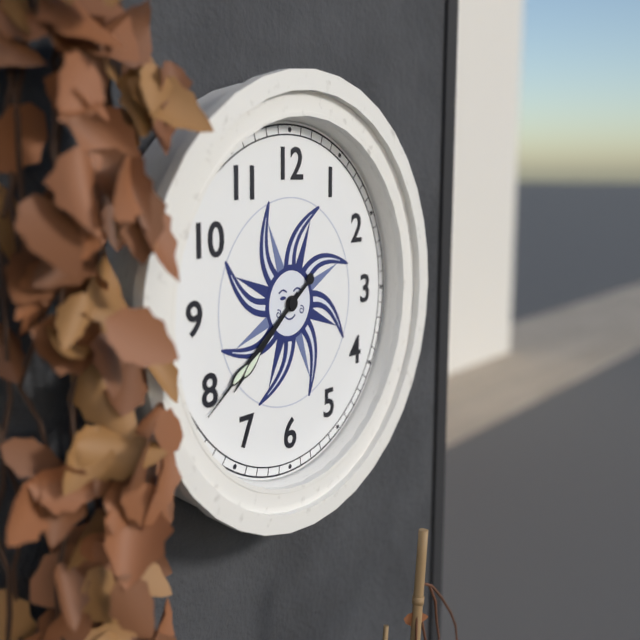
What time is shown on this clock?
7:39
